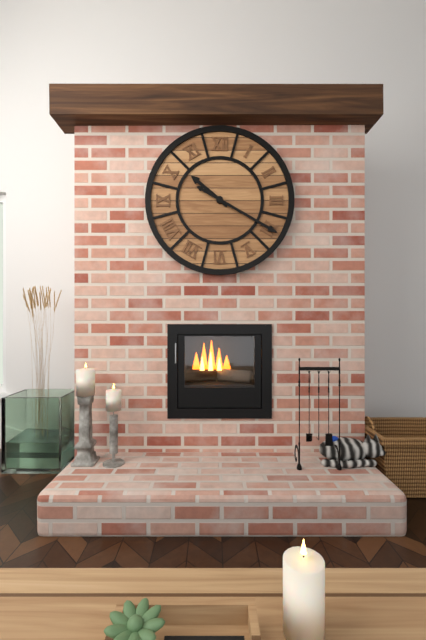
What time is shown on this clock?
10:20
